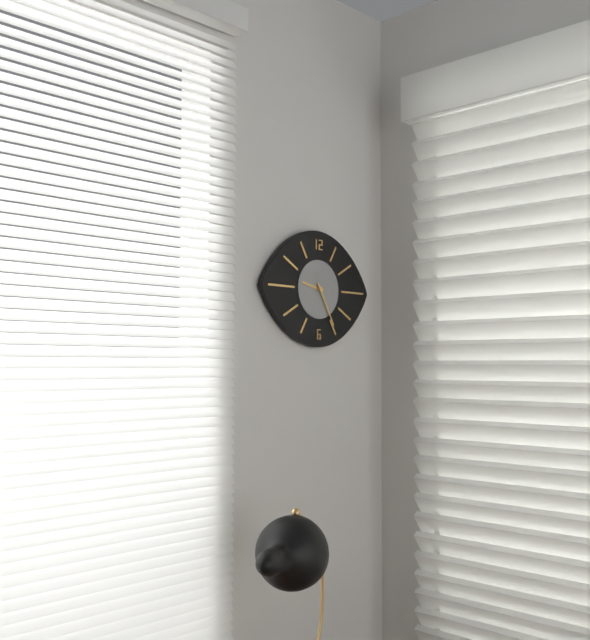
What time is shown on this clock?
9:25
